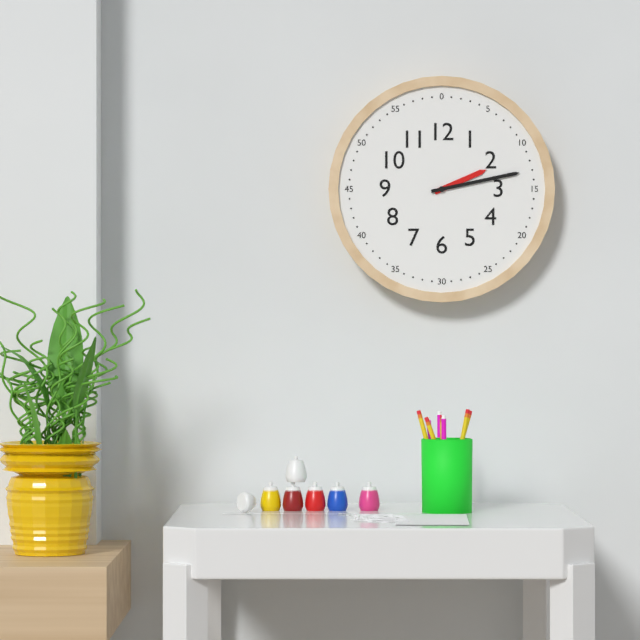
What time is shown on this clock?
2:13
